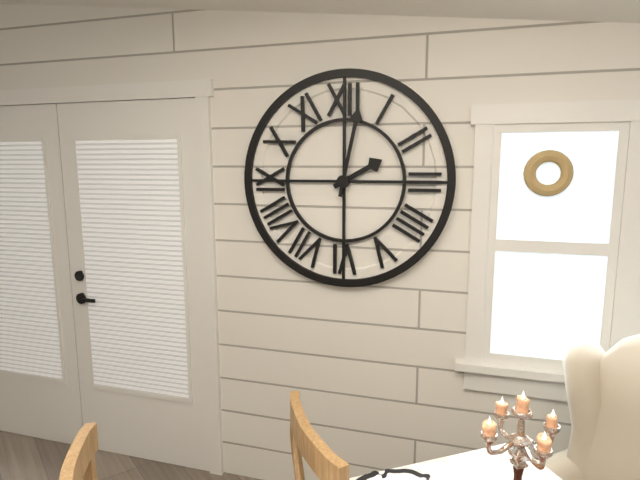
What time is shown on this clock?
2:02
